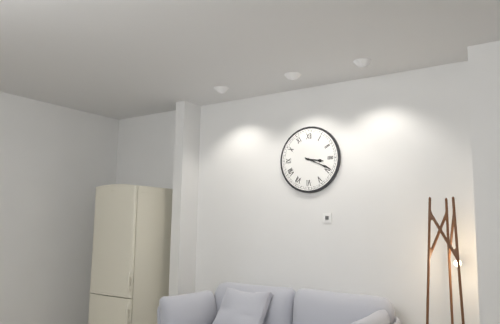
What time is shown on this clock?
3:19
